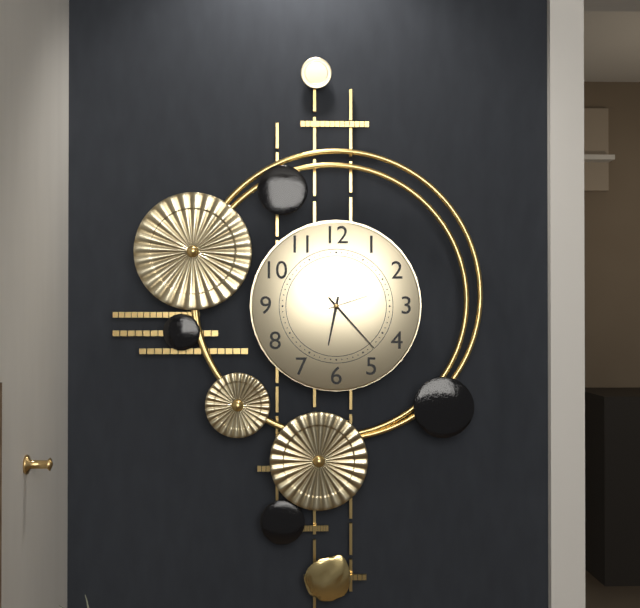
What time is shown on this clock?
6:23
